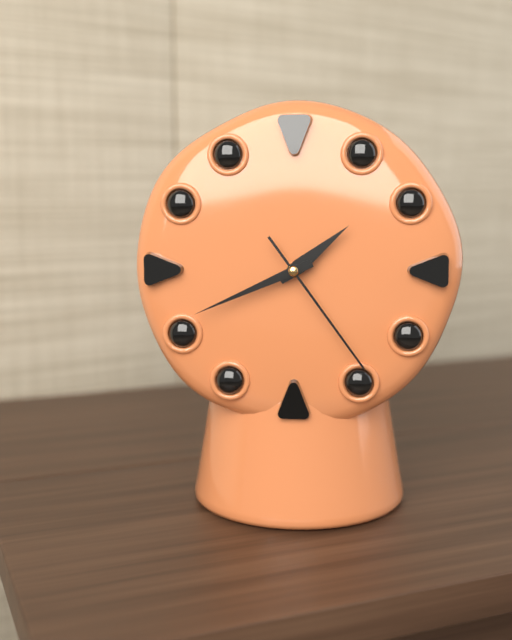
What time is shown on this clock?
1:41:24
